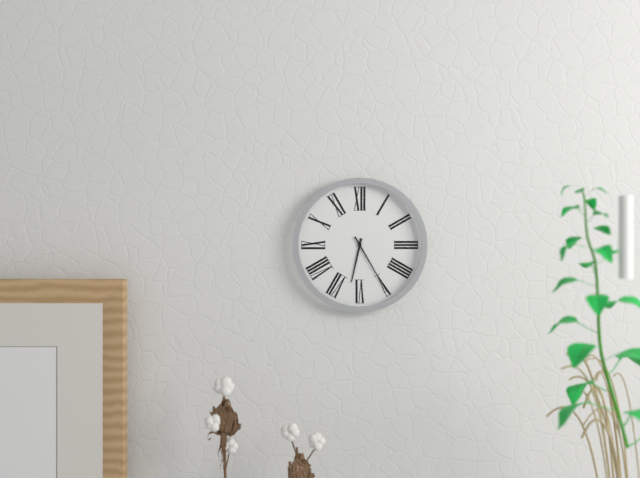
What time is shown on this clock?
6:25
